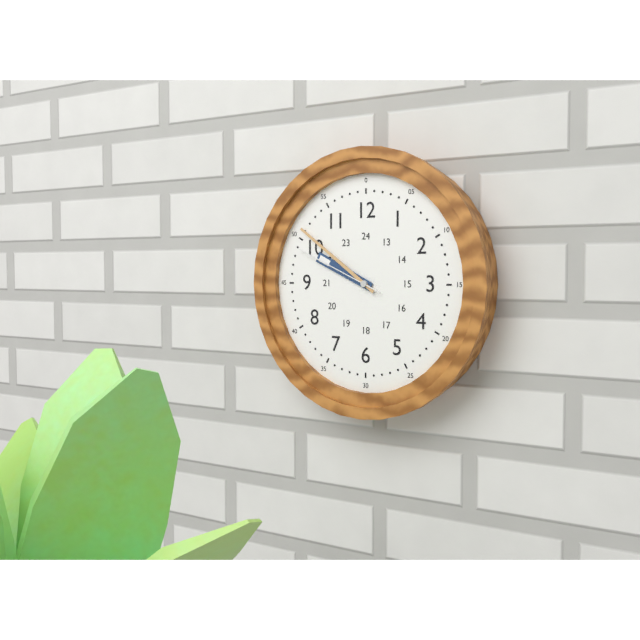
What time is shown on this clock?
9:51:49
